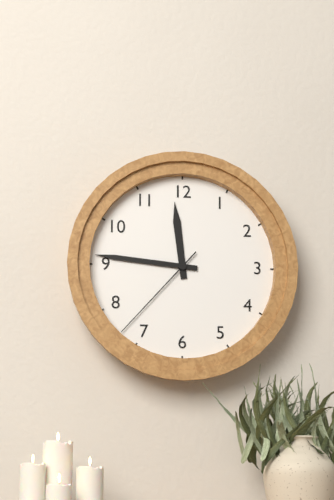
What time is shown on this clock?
11:46:37
